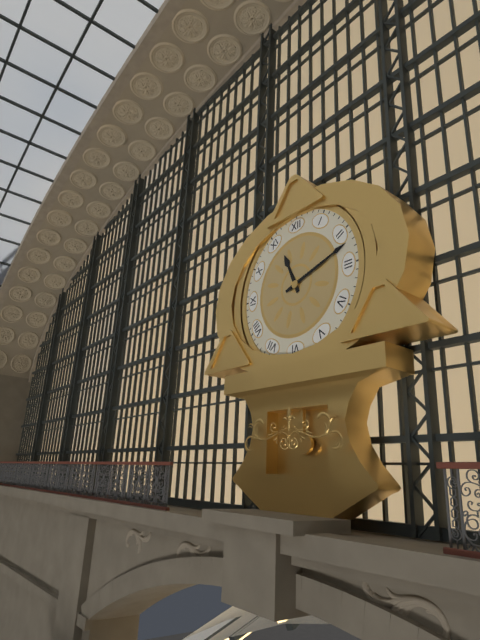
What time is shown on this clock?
11:12
